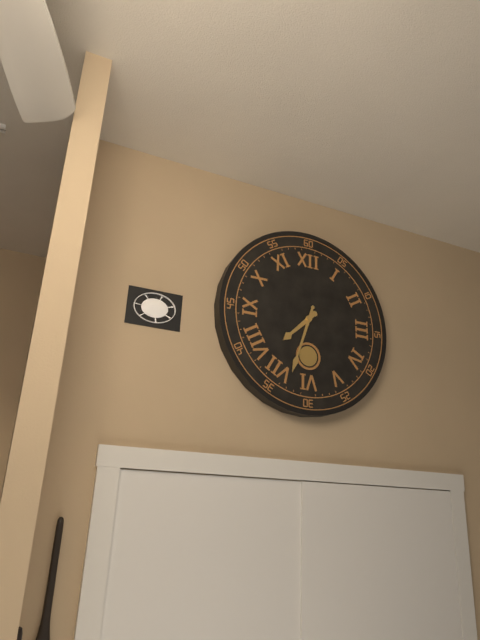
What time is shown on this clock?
7:33
